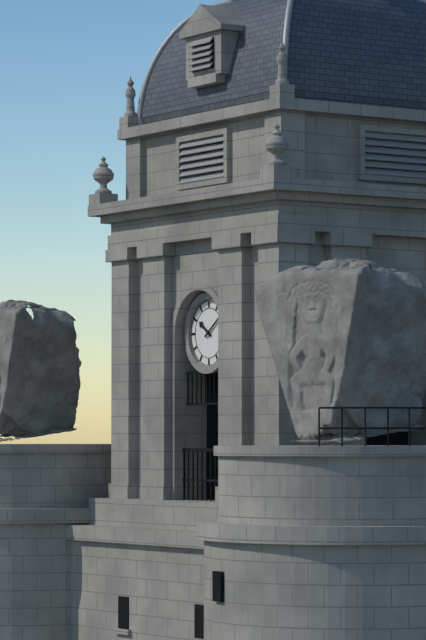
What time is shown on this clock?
10:09
